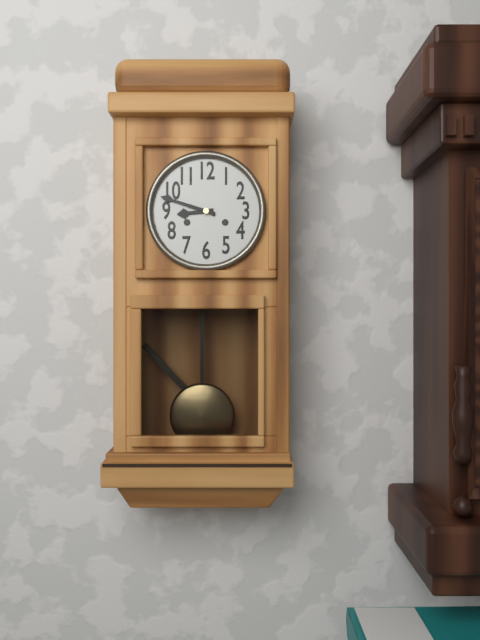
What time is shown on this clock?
8:48
